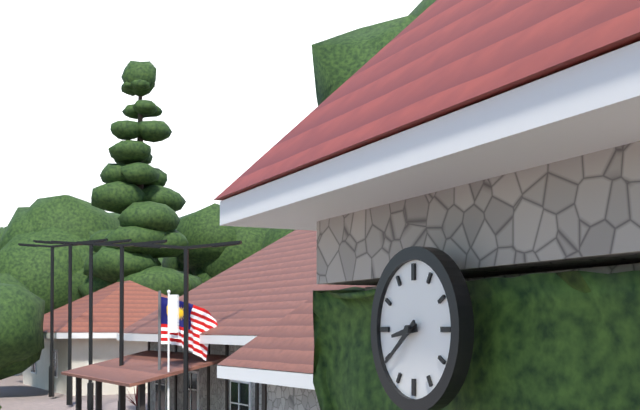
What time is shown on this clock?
8:39
